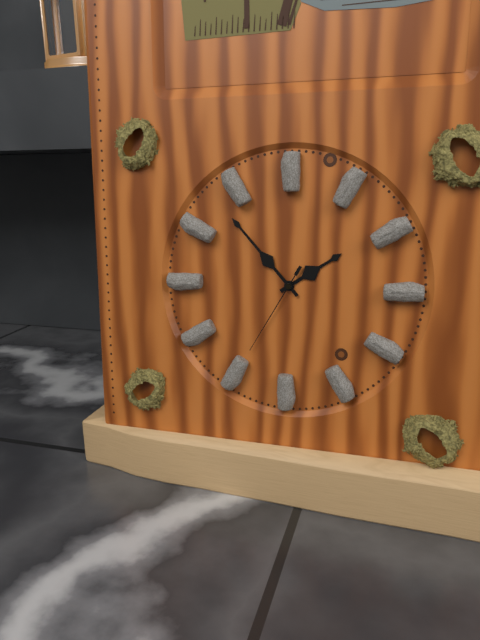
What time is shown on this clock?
1:53:35
